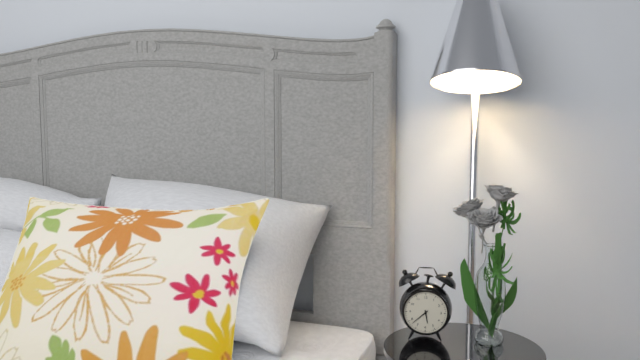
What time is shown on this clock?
5:38
